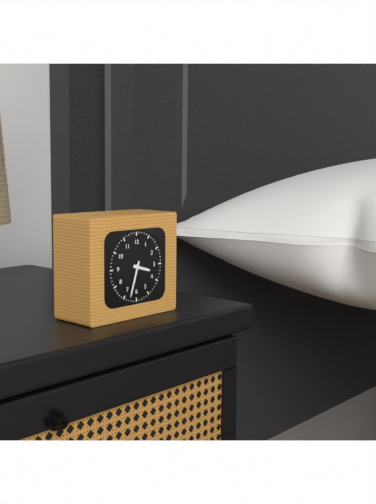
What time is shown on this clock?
3:33
